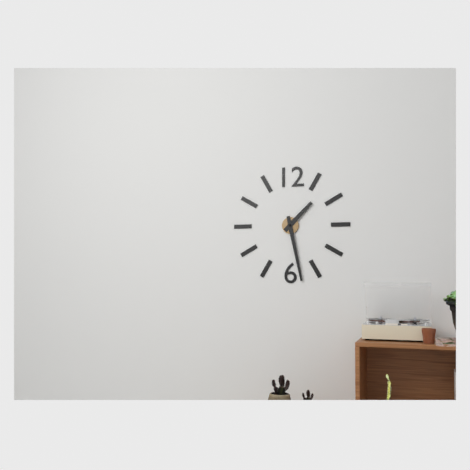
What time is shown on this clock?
1:28
